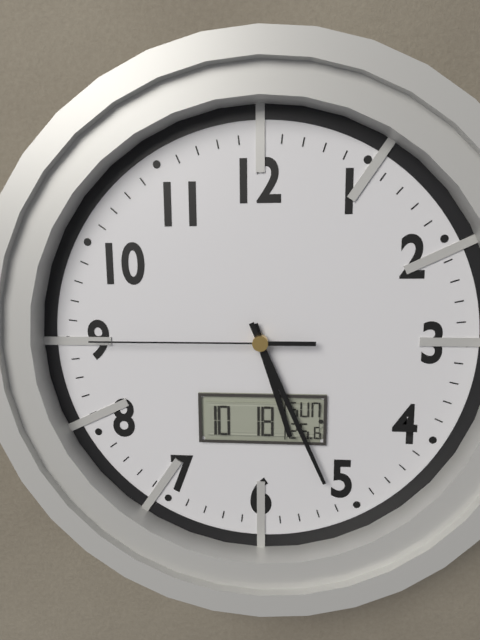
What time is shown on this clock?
5:26:45
